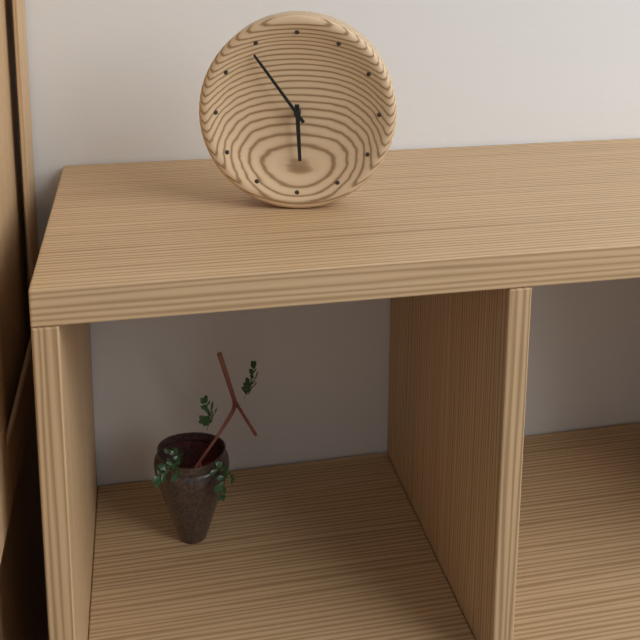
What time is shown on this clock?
5:54
